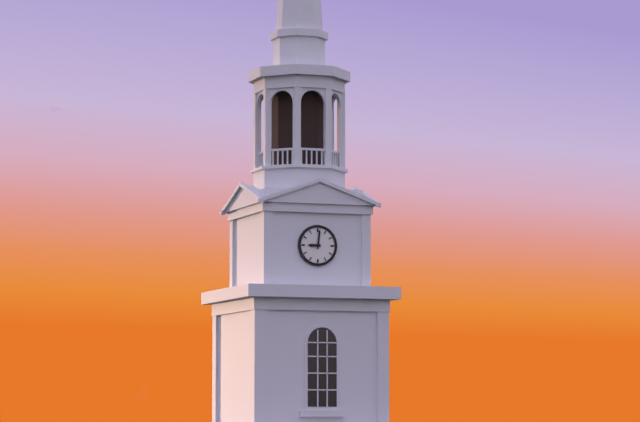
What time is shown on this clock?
9:01
